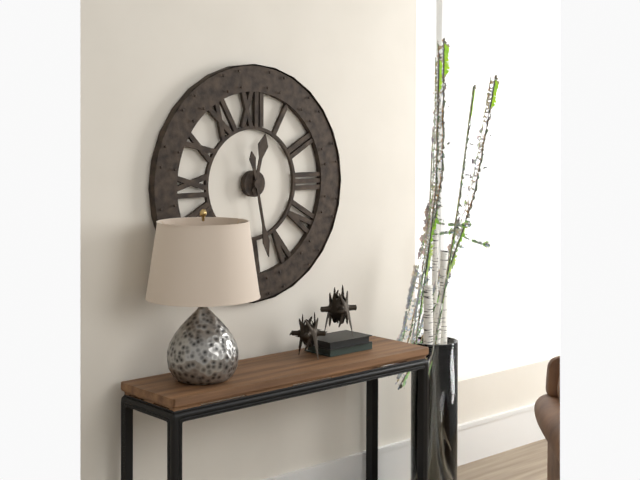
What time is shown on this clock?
12:28
